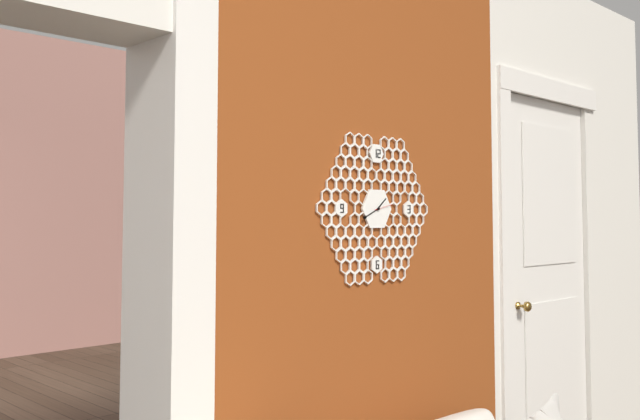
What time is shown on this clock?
1:41
